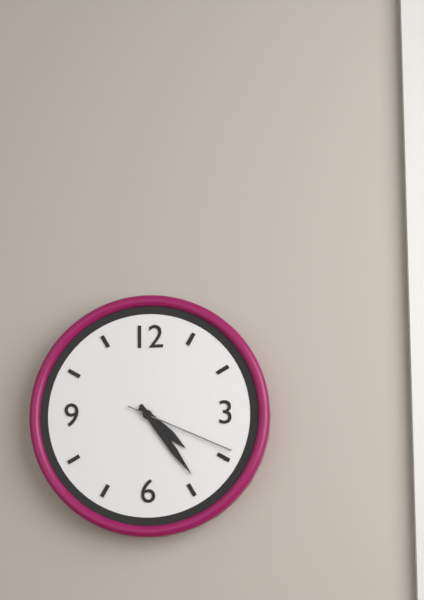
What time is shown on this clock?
4:24:19
